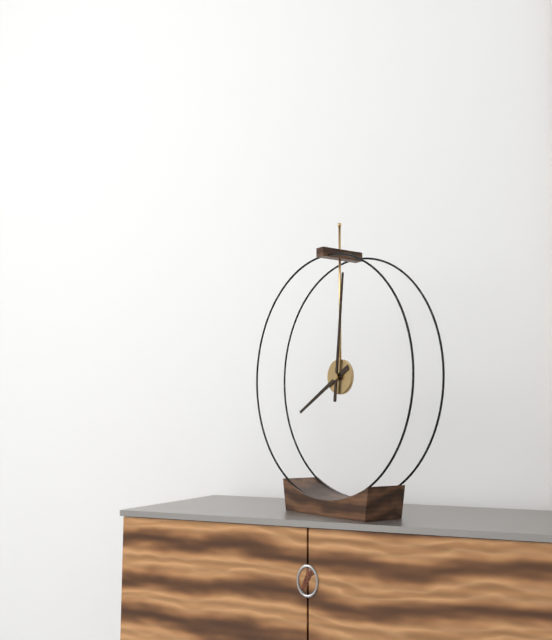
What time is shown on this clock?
8:01
